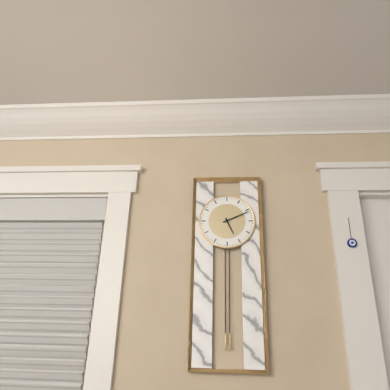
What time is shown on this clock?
5:11
